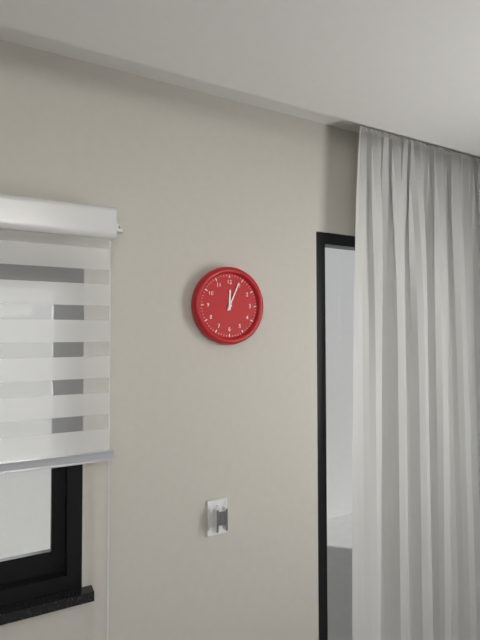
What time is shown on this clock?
12:04
